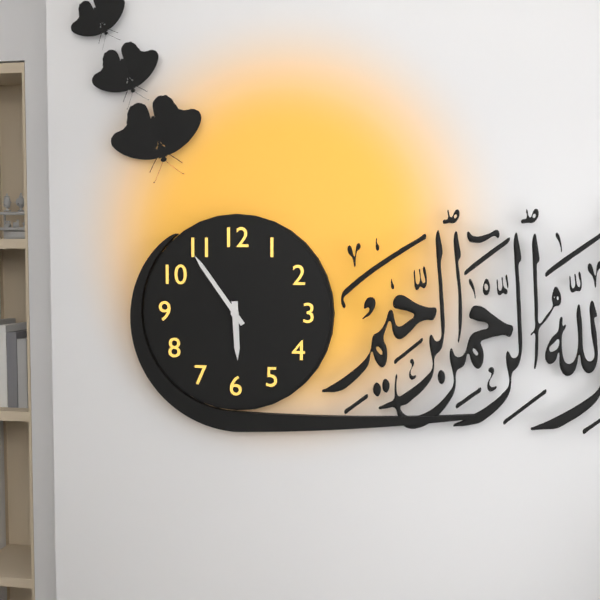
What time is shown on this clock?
5:54
